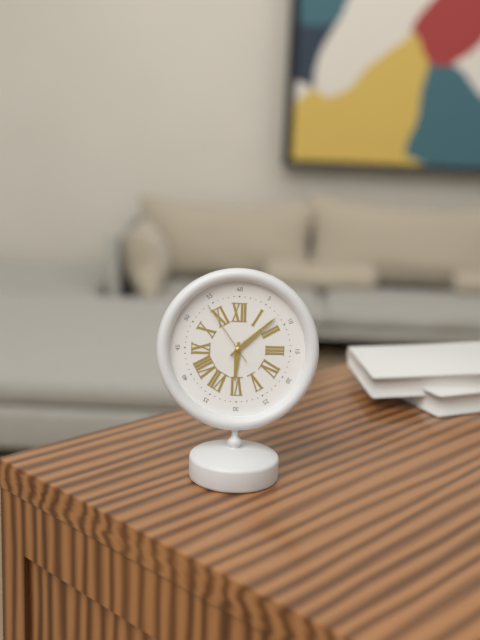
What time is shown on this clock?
6:08:54
